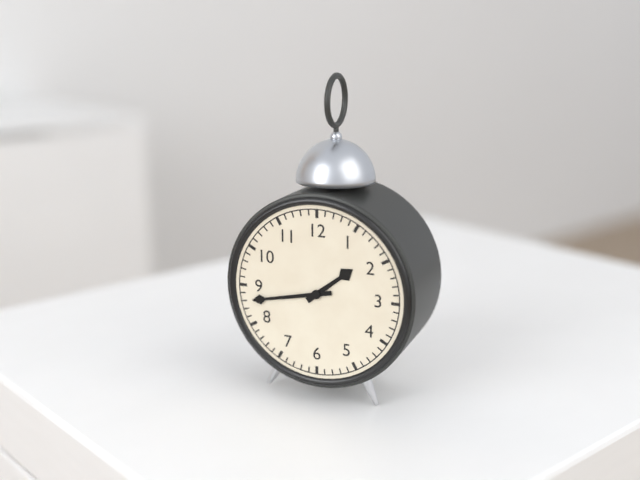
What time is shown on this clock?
1:43
